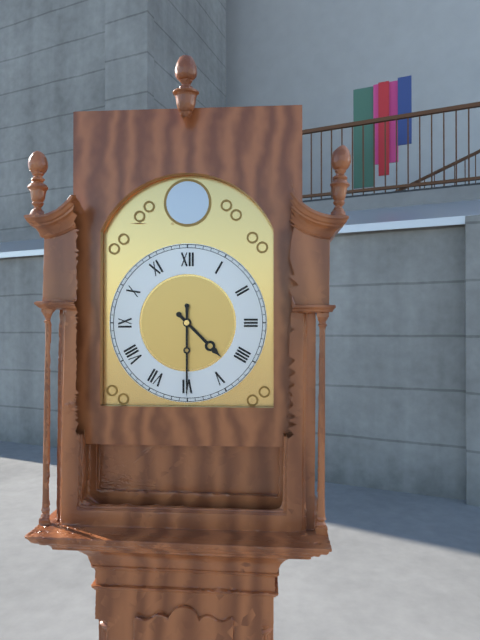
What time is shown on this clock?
4:30
